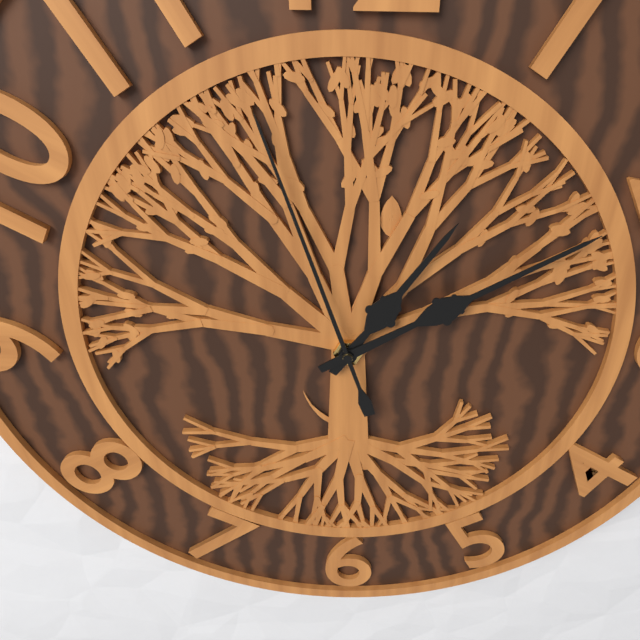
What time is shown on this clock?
1:10:57
